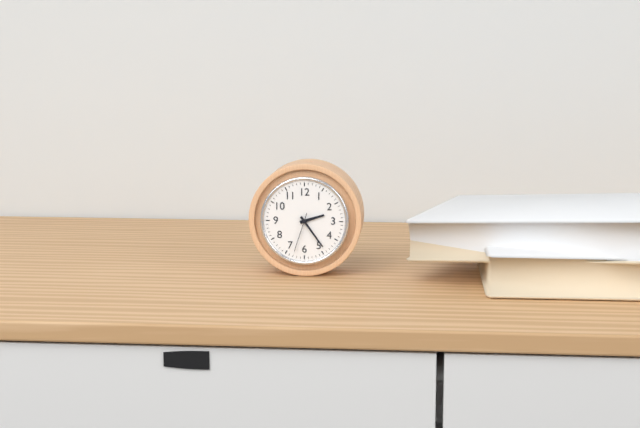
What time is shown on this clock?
2:24
